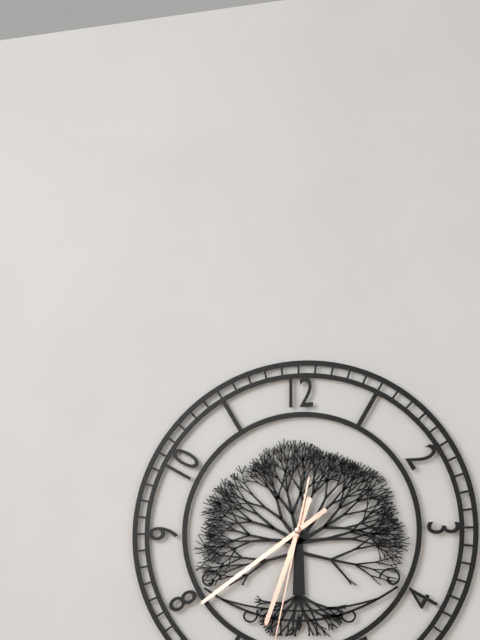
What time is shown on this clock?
6:39
